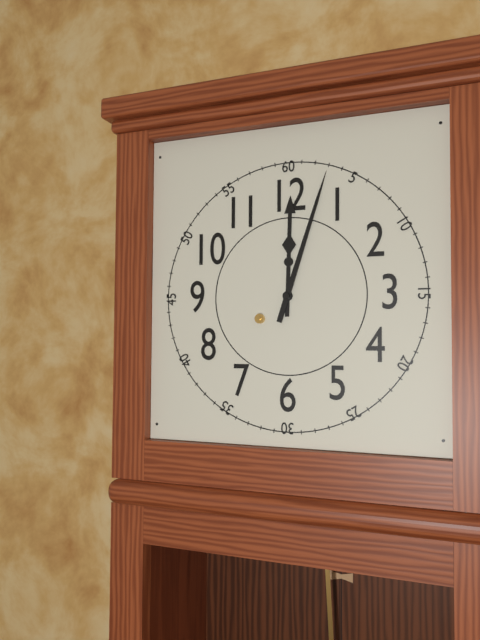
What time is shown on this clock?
12:03
